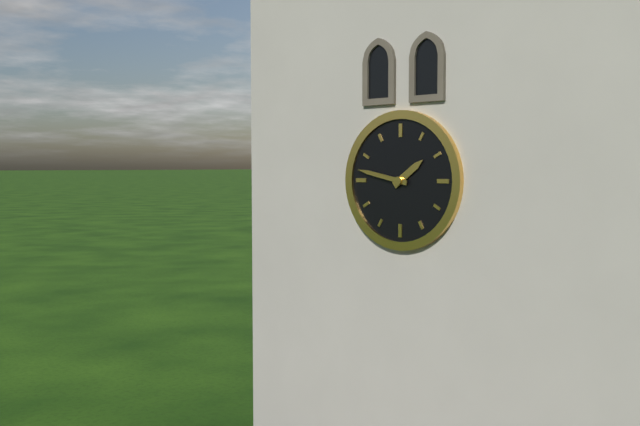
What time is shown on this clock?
1:47
